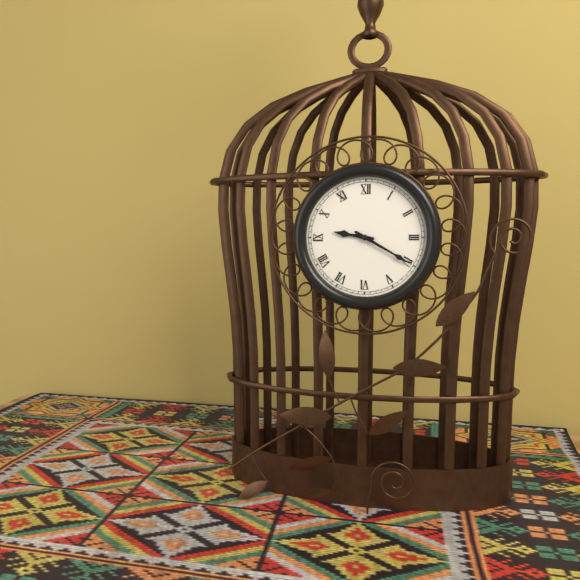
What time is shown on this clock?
9:20
